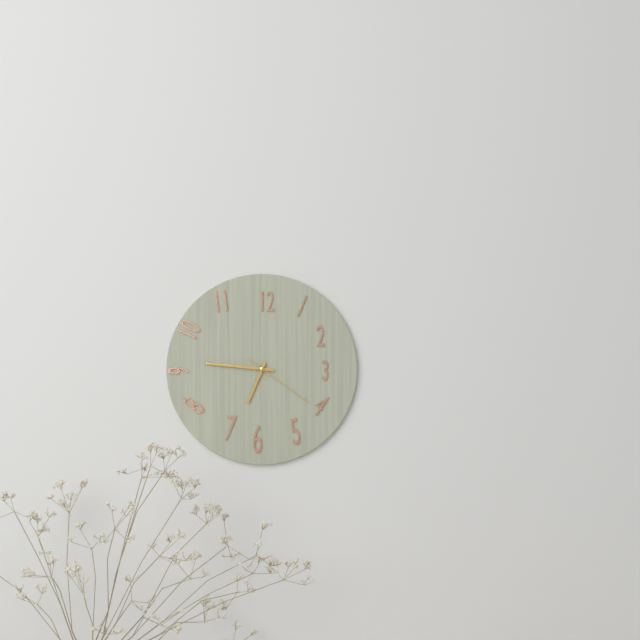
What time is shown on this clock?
6:46:21
